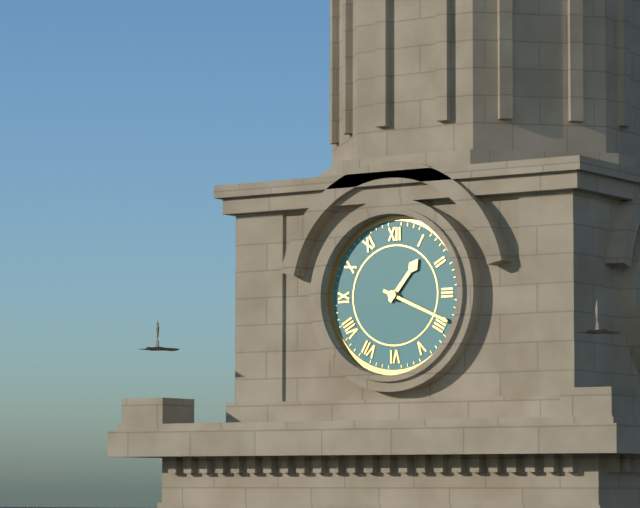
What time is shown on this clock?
1:19
